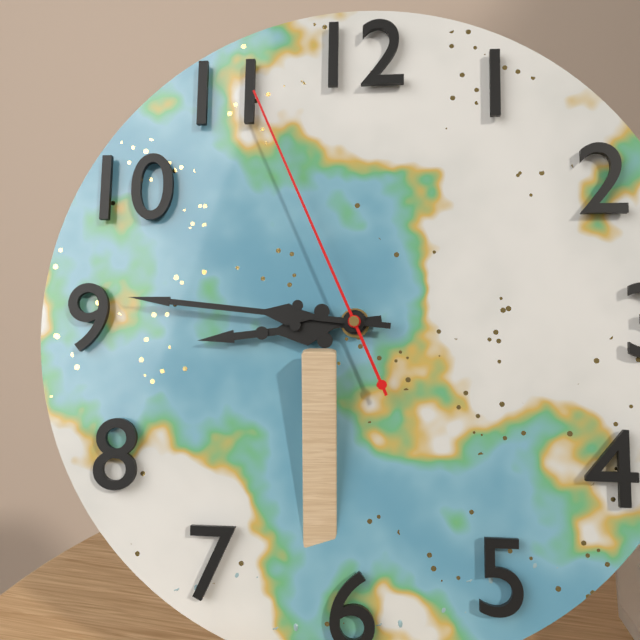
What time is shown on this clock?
8:46:56
